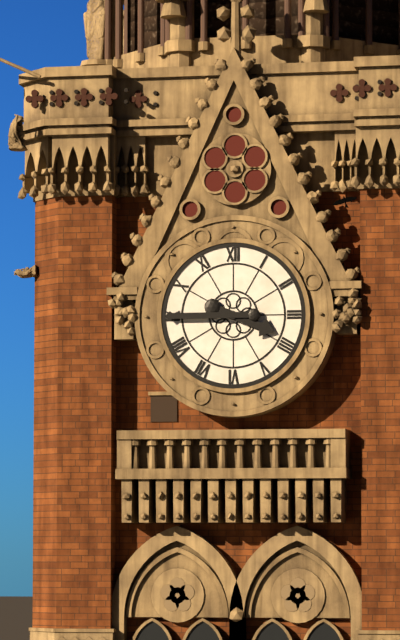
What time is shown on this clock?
3:45
